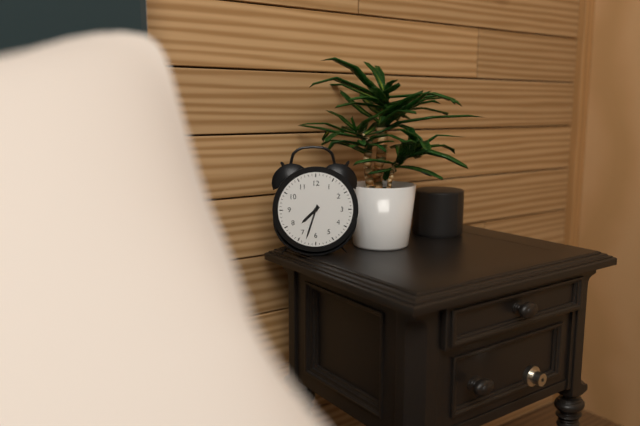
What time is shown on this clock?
7:33
